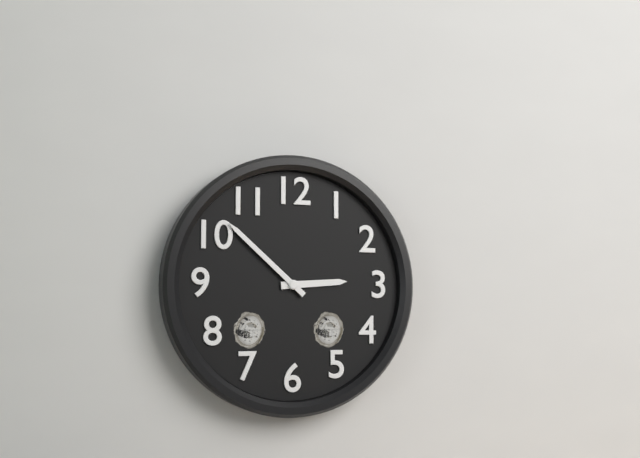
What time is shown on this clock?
2:52
